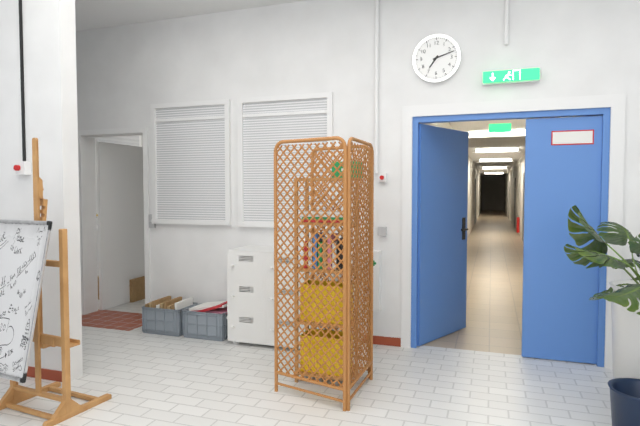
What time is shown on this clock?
7:12
